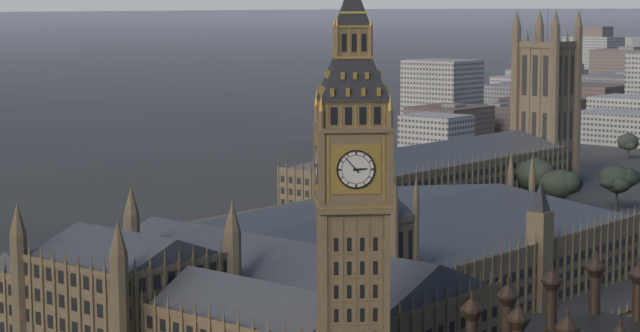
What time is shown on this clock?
2:53
